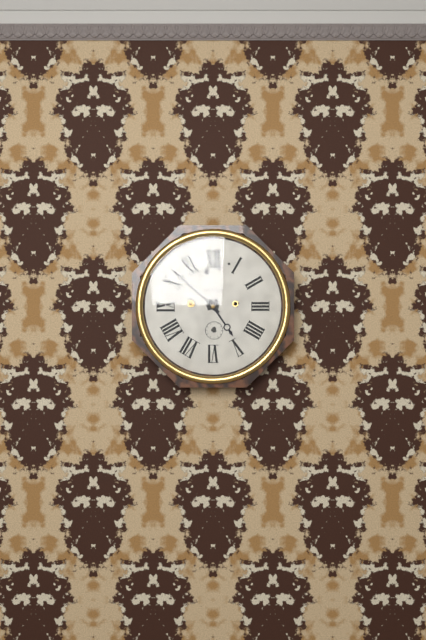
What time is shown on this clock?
4:52
